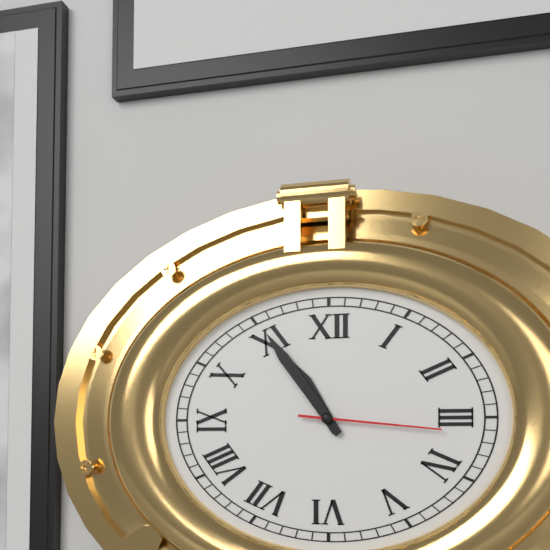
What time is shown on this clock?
10:54:16
